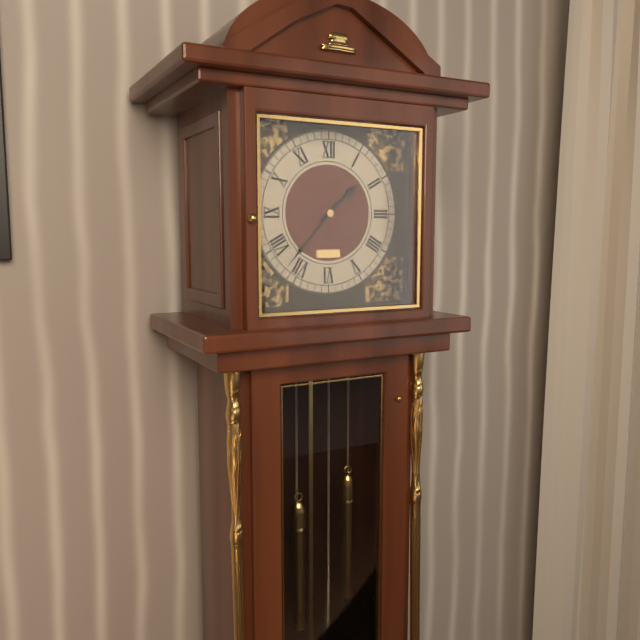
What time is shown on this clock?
1:37
